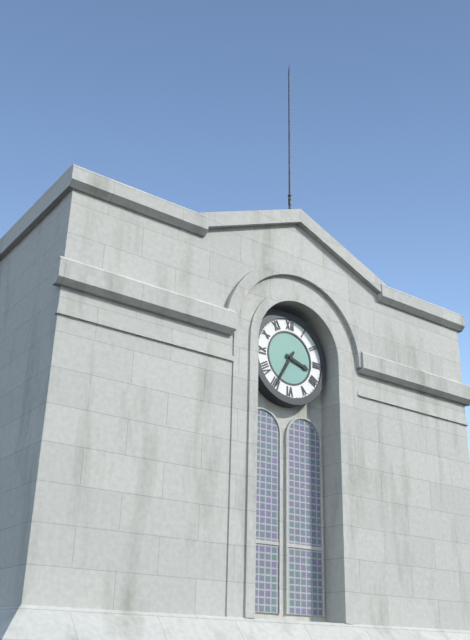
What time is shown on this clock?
3:35
